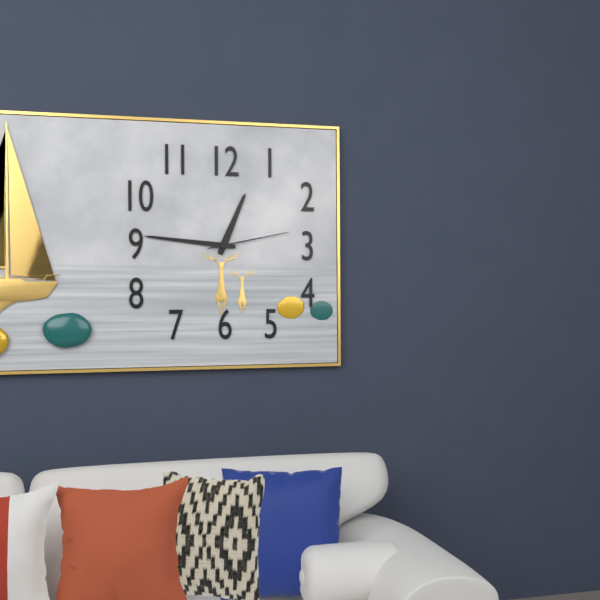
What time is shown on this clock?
12:46:13
